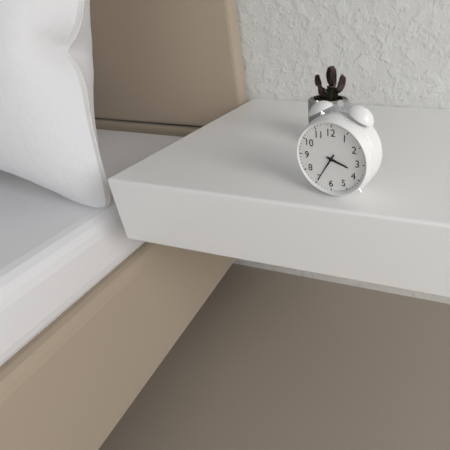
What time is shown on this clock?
3:35
